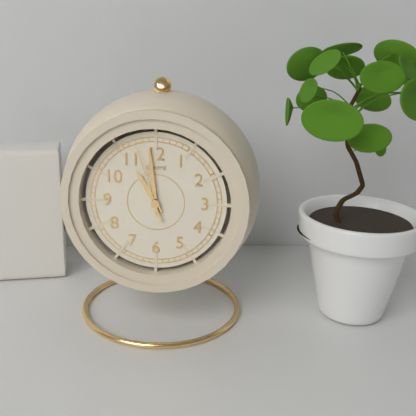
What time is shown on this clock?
10:59:57
